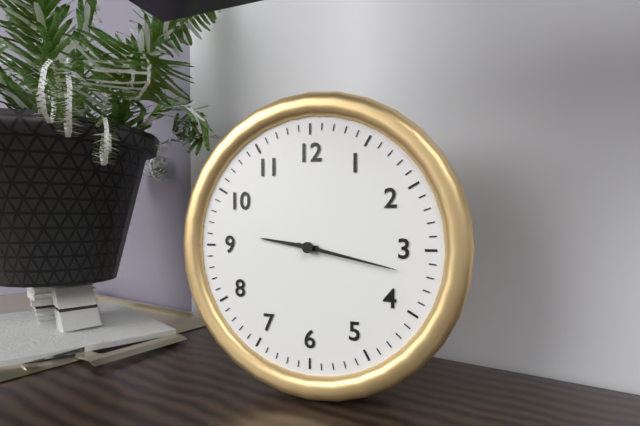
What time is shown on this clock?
9:17
